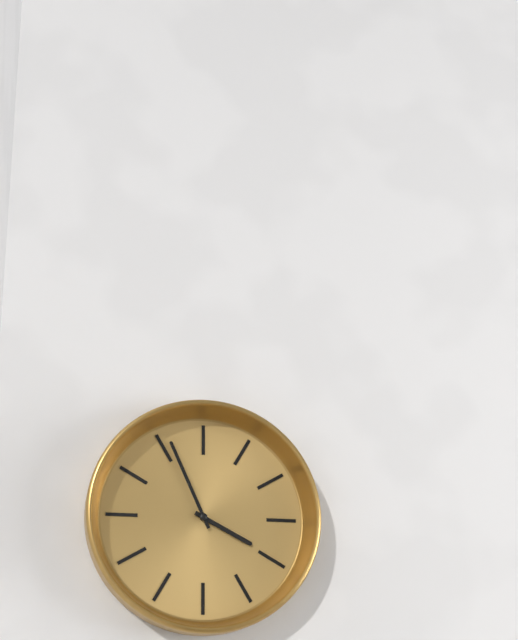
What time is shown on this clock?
3:56
